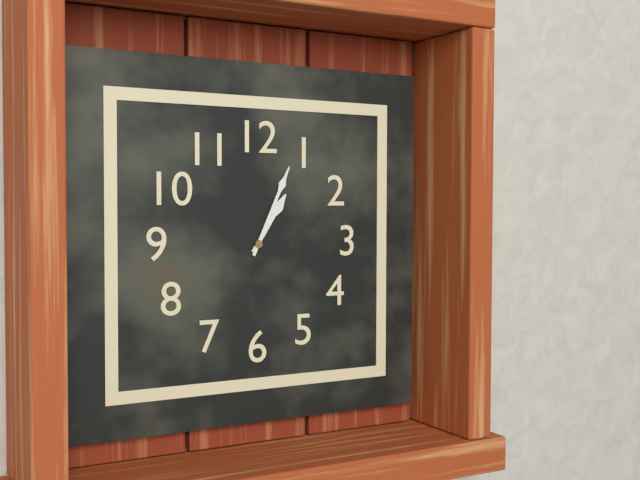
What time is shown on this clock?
1:04
